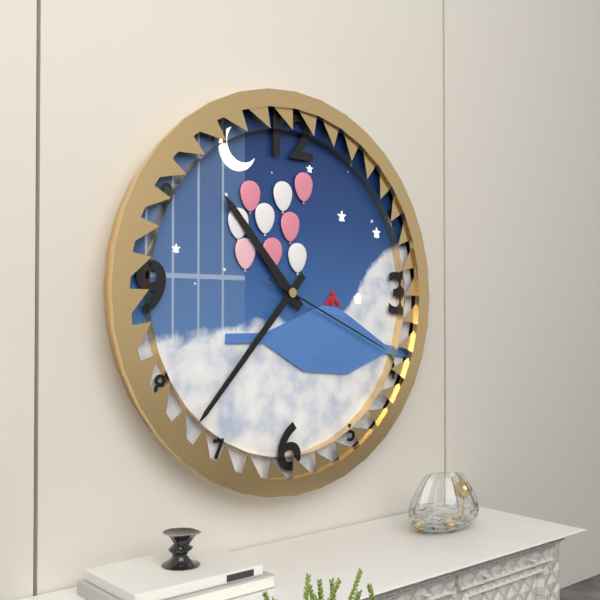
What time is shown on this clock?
10:37:19
